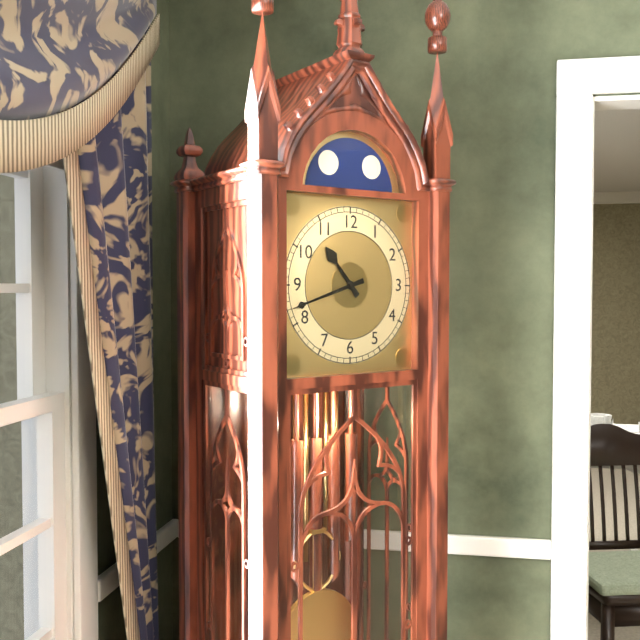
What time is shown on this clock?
10:42
